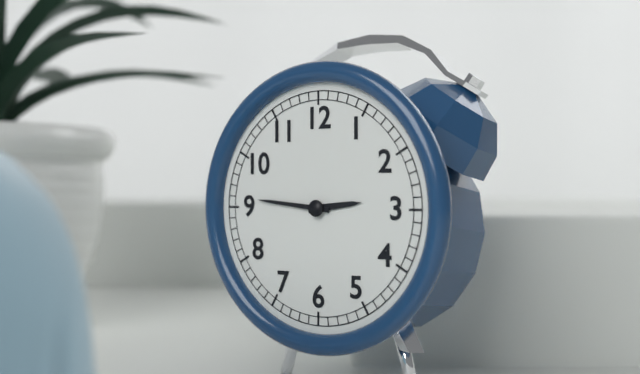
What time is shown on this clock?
2:46
